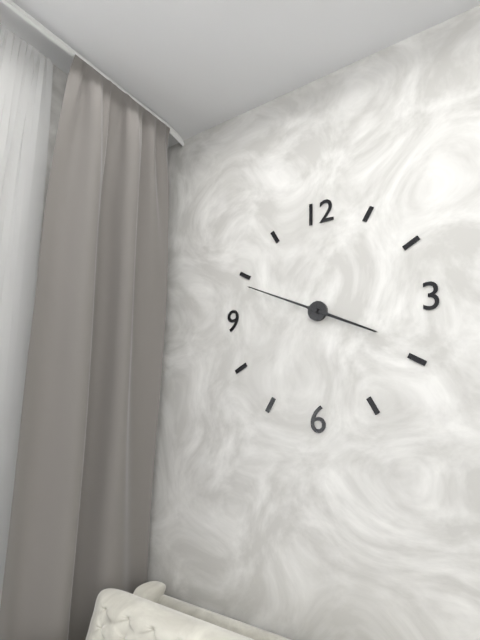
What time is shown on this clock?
3:49
